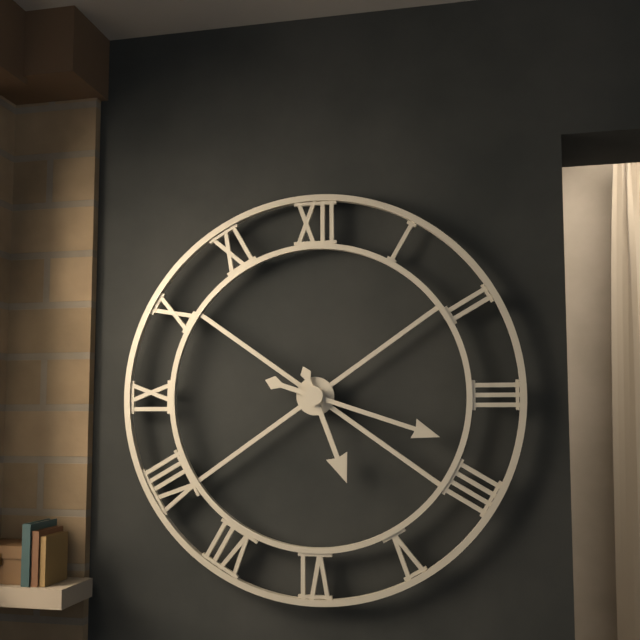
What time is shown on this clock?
5:18
